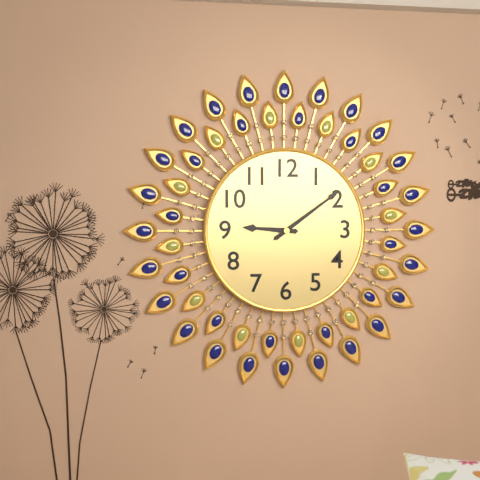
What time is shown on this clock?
9:09
